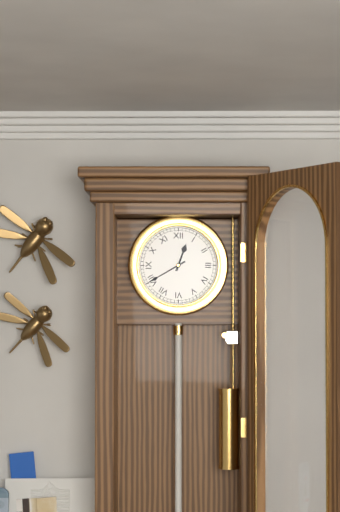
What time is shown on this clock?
12:40
